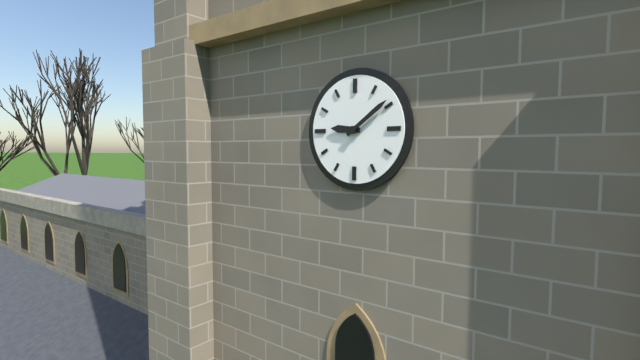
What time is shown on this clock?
9:09
